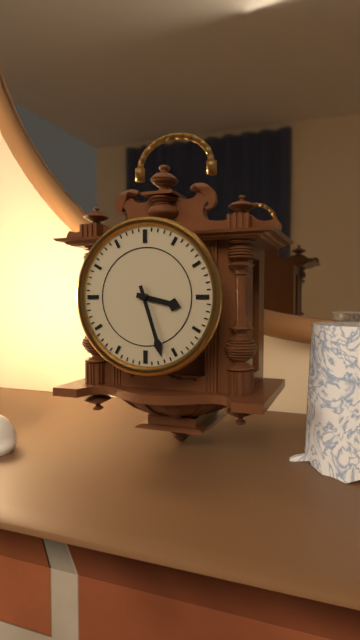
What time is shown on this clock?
3:27
